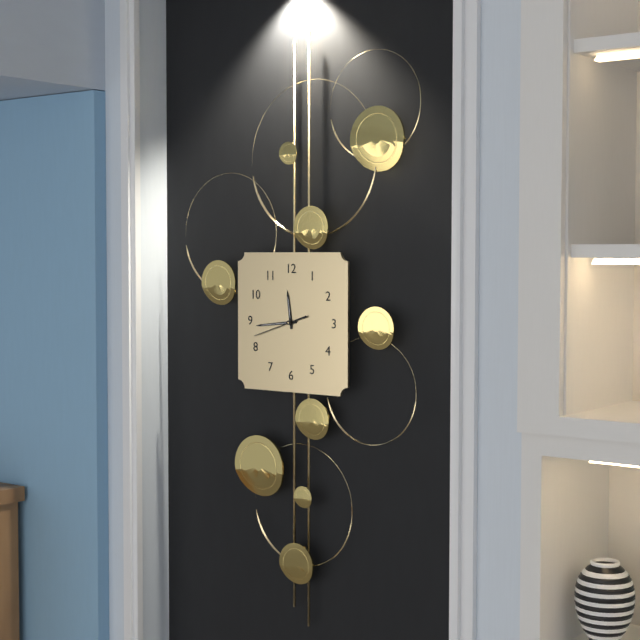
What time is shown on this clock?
11:44
